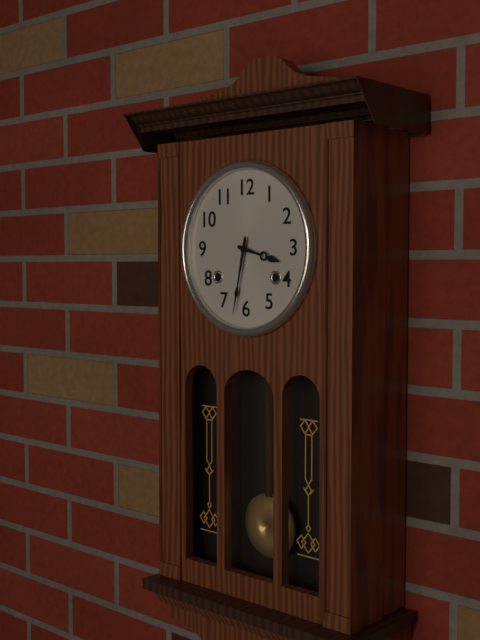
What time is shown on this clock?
3:32
